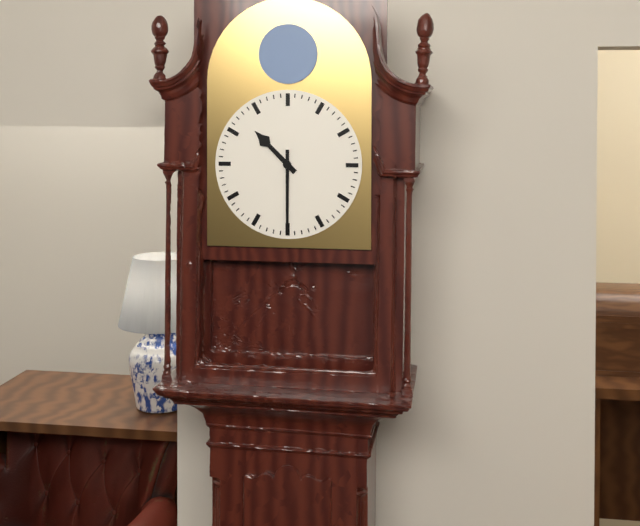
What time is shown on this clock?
10:30
